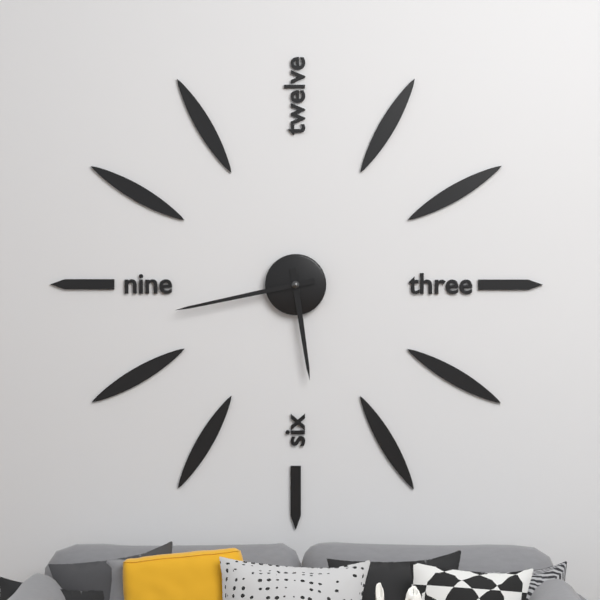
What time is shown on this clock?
5:43
